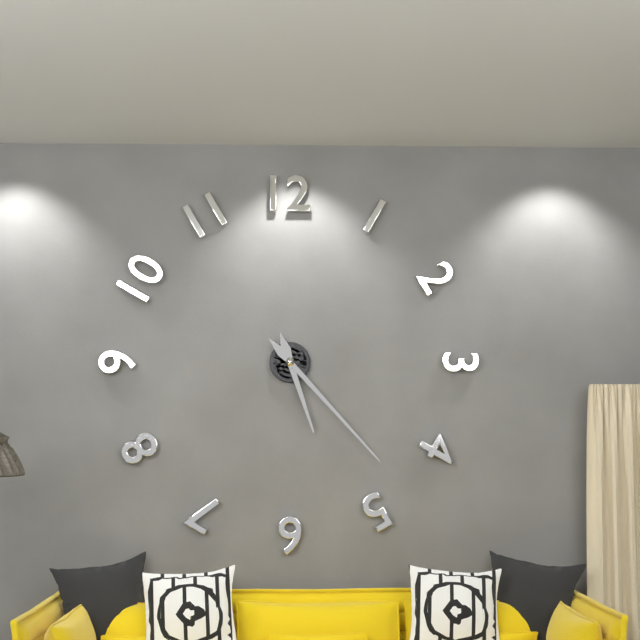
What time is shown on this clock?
5:23
